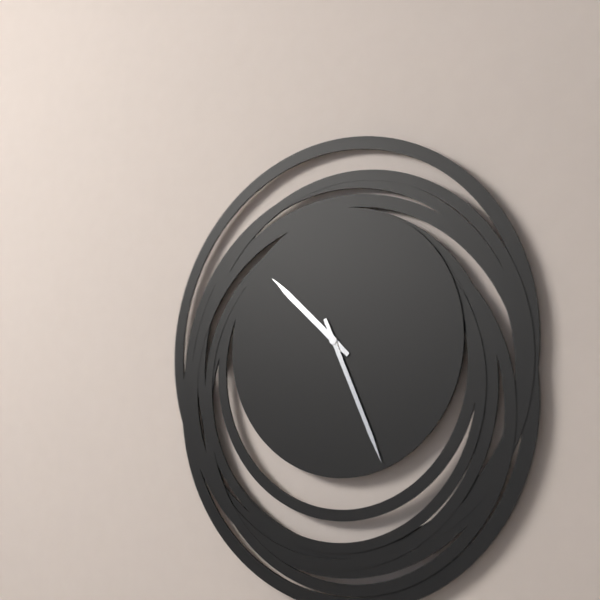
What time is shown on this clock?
10:26
